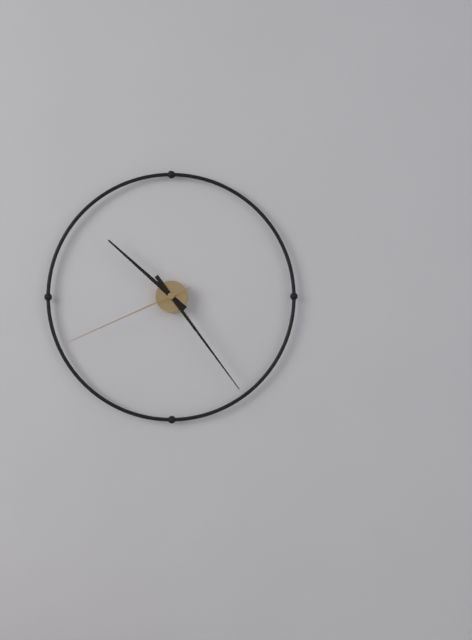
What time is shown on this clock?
10:24:41
